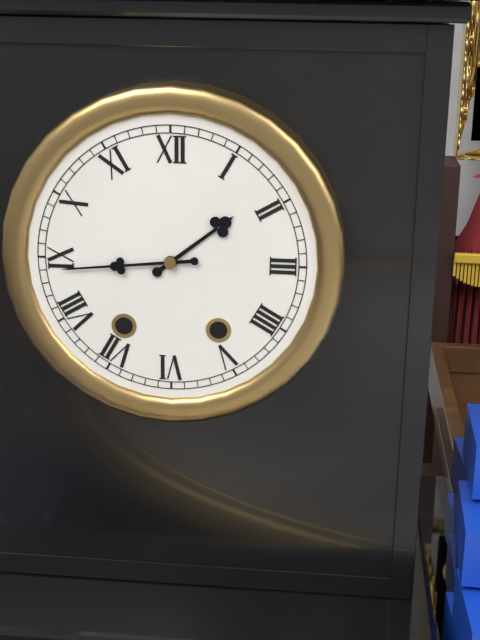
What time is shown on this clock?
1:44
